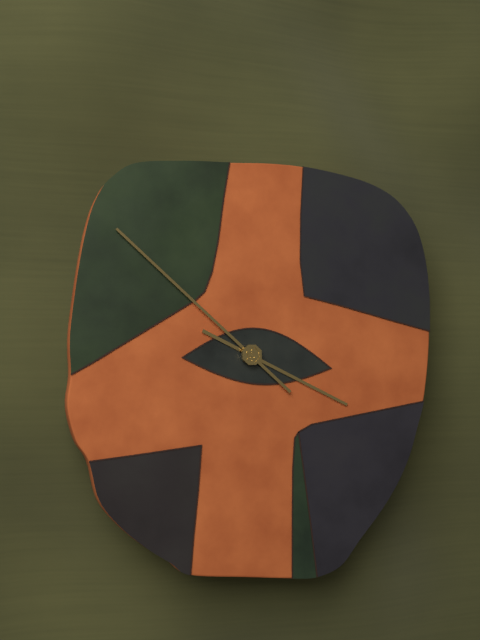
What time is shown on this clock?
3:52
